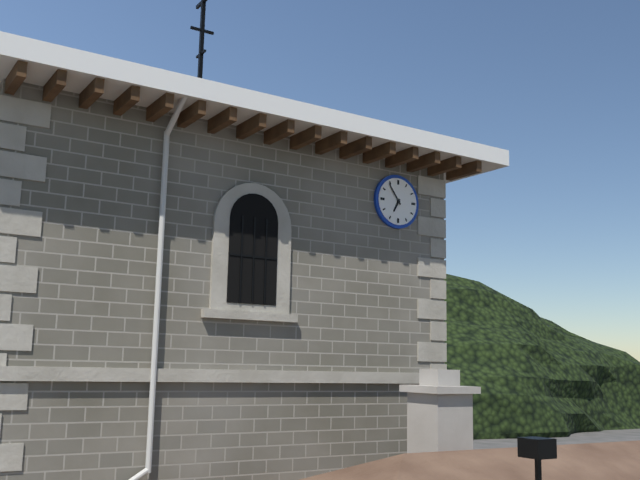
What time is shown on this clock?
6:54
